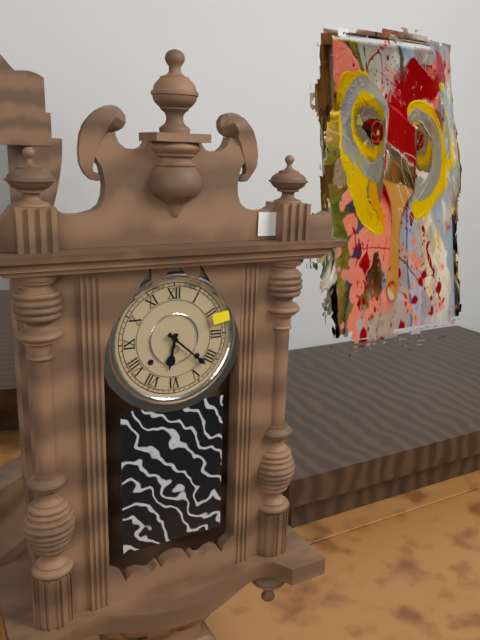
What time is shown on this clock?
6:22
